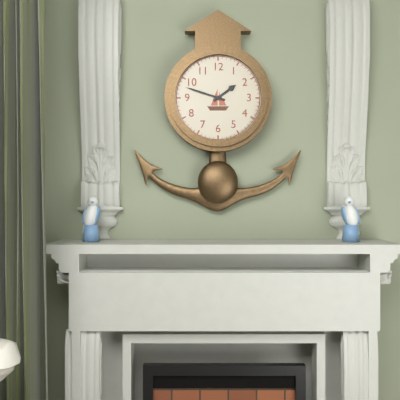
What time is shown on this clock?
1:48
